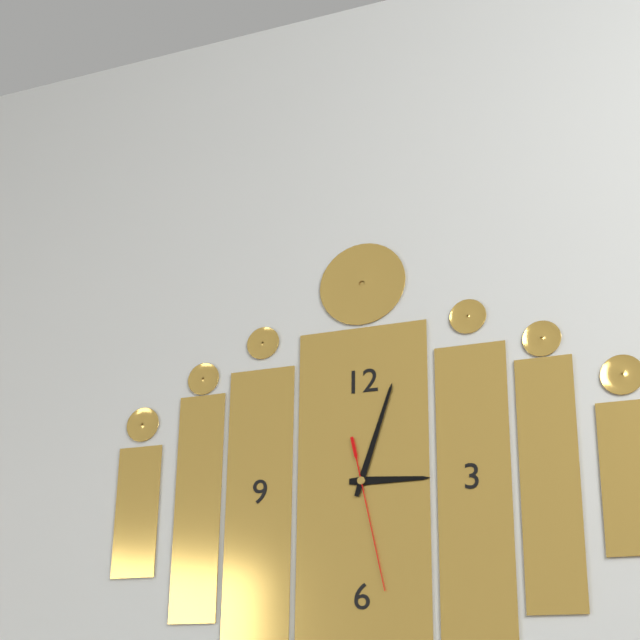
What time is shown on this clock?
3:03:28
